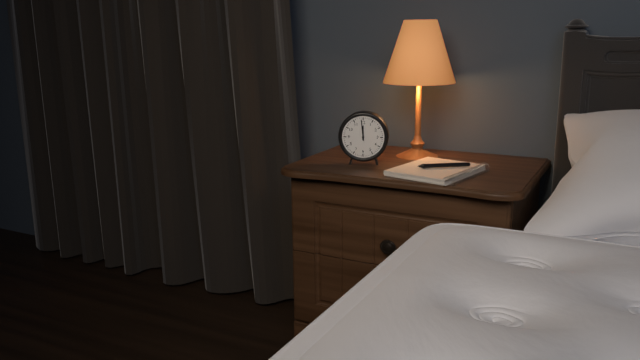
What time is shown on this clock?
11:59
